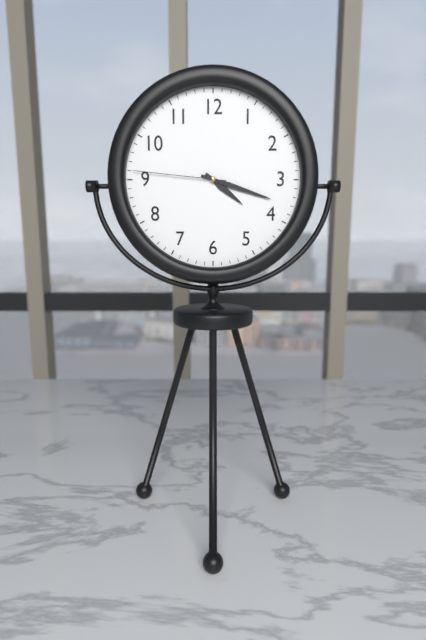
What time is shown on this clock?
4:18:46
